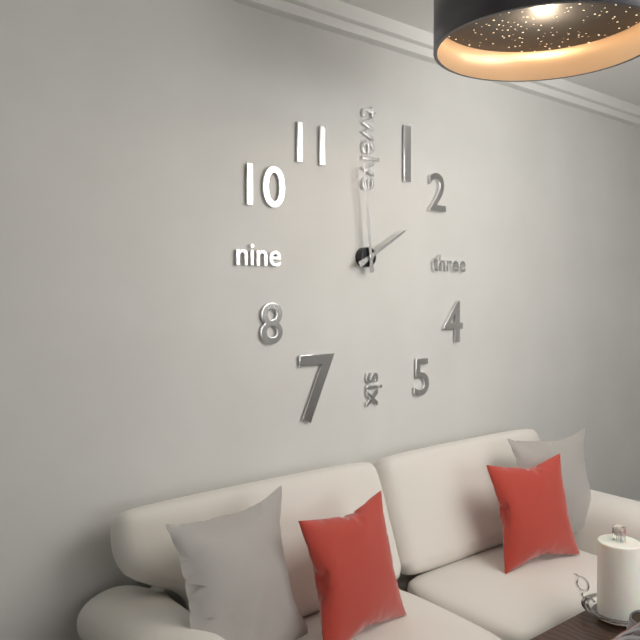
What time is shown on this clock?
1:59
